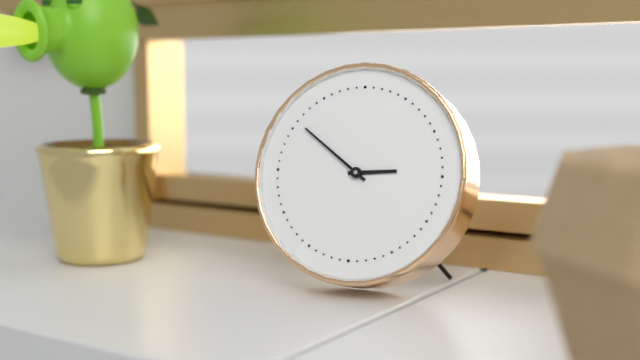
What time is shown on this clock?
2:51
